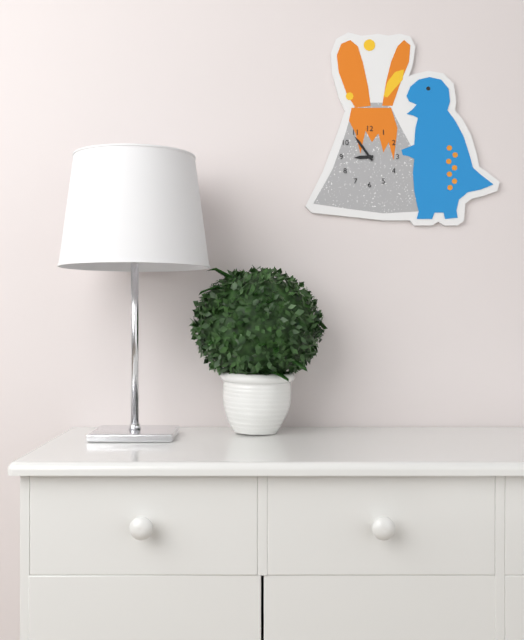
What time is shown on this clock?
8:54
